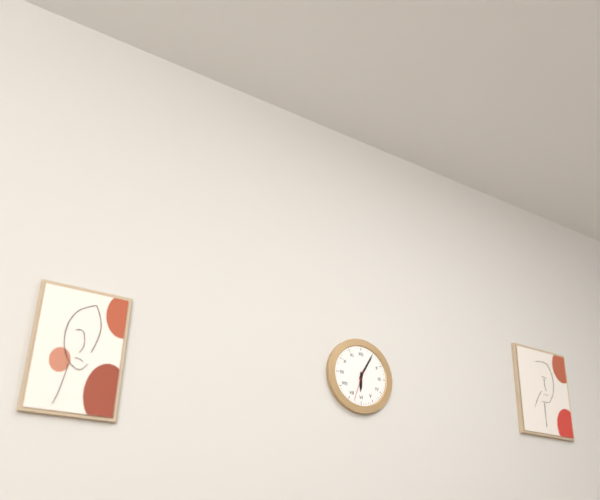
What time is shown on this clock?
6:05
